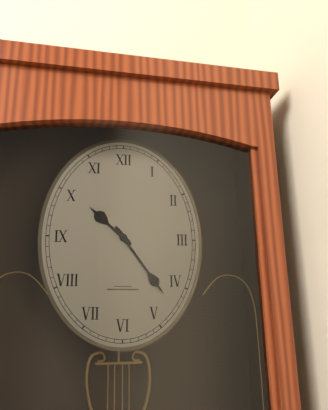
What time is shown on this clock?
10:24
